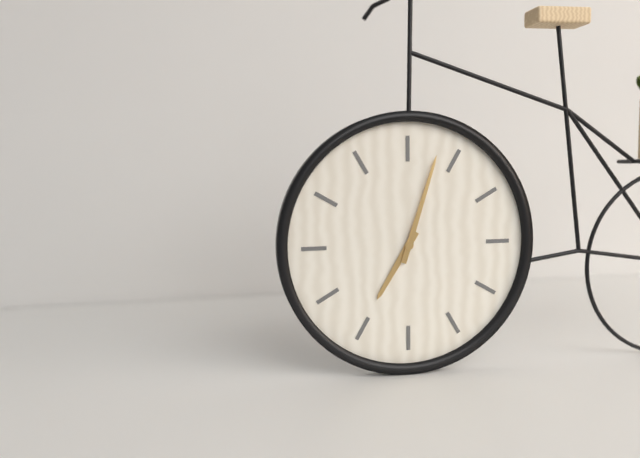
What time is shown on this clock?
7:03
